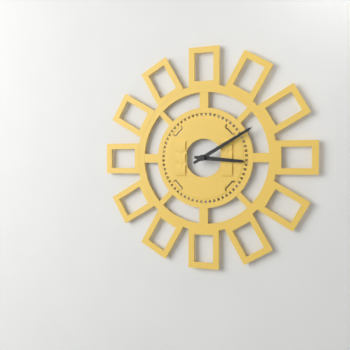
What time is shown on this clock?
3:10
